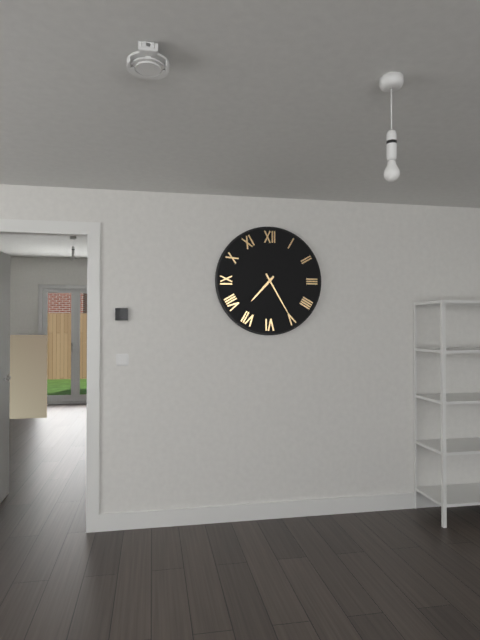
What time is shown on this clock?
7:25
